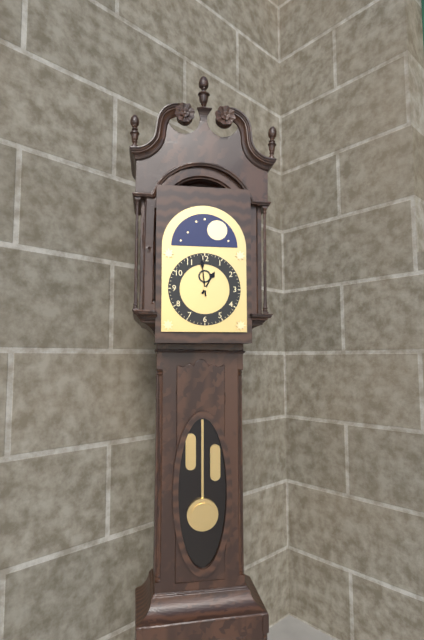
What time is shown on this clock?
12:59
